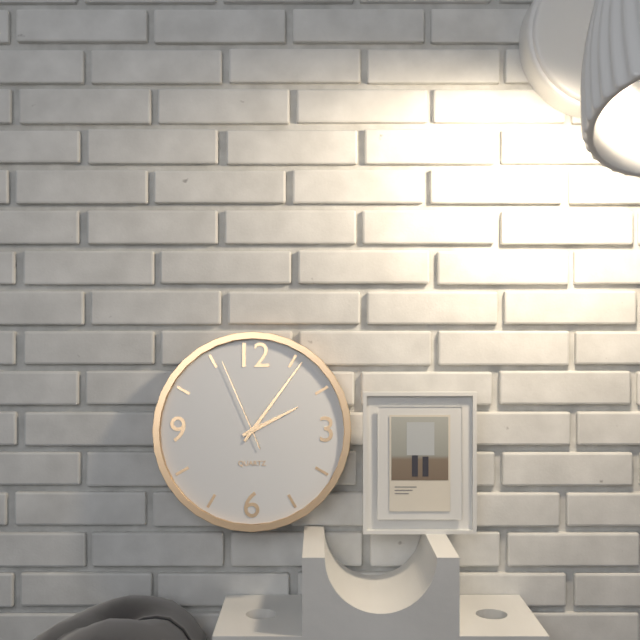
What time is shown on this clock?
2:06:56
